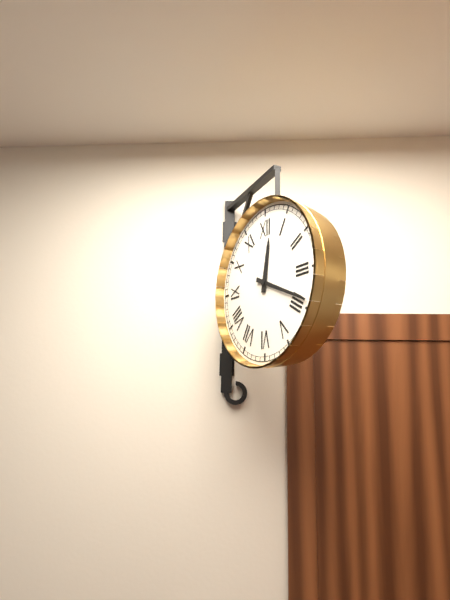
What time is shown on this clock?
12:19
